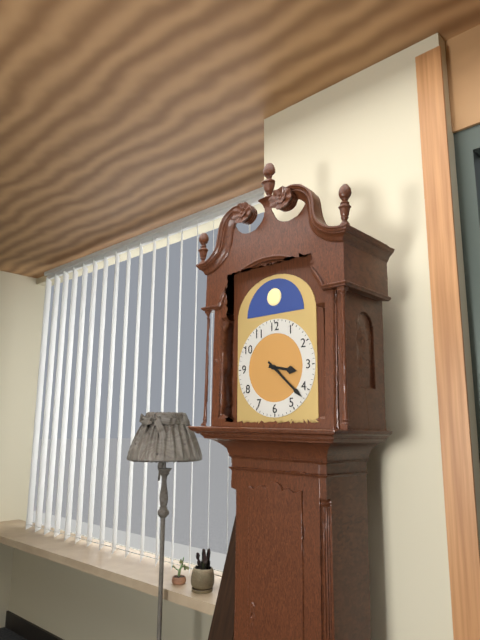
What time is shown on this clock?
3:22
